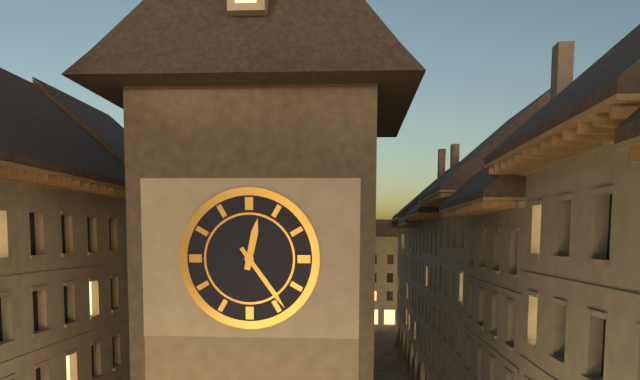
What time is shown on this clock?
12:24
